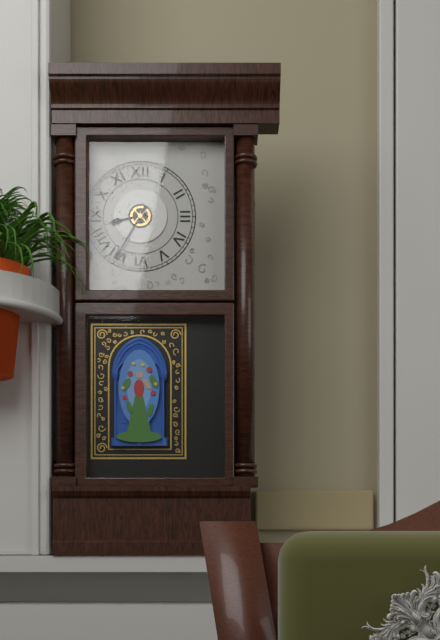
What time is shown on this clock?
8:35
